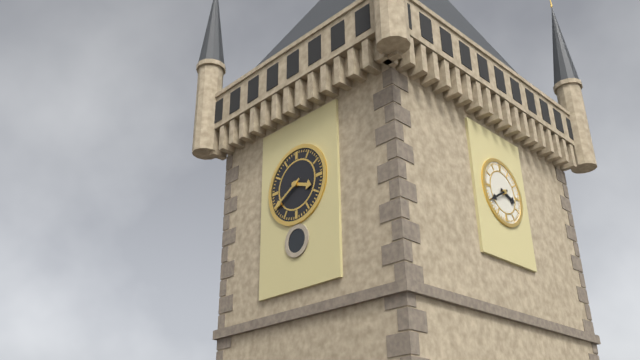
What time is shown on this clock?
3:40
